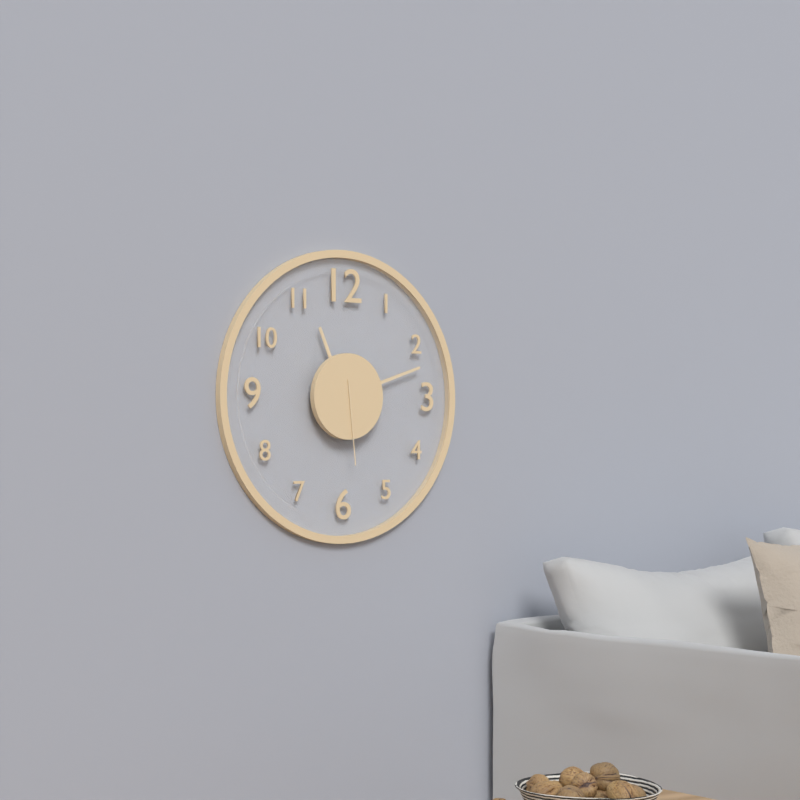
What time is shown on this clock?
11:12:29
